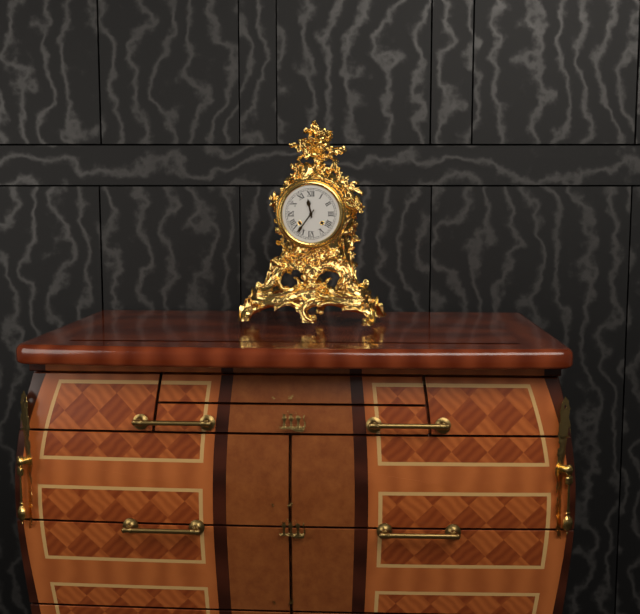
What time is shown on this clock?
11:36
